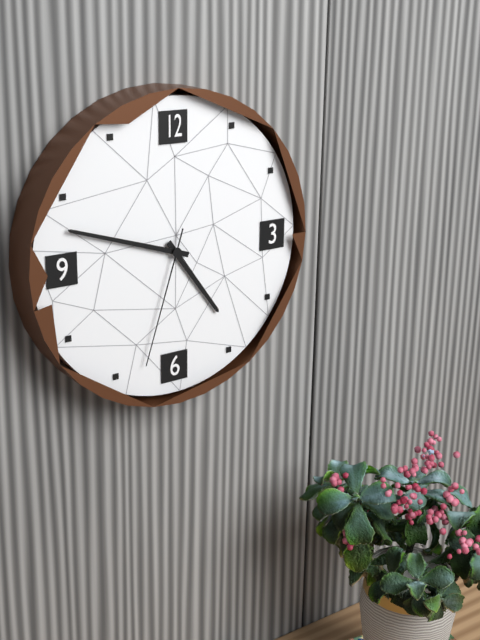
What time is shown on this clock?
4:48:33
